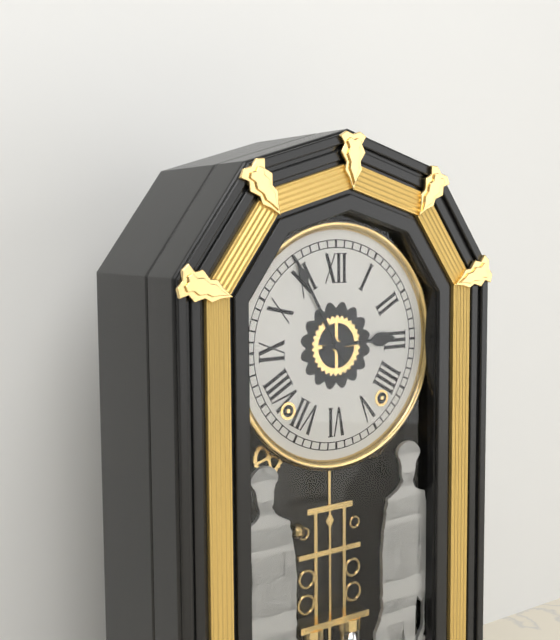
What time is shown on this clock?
2:55
